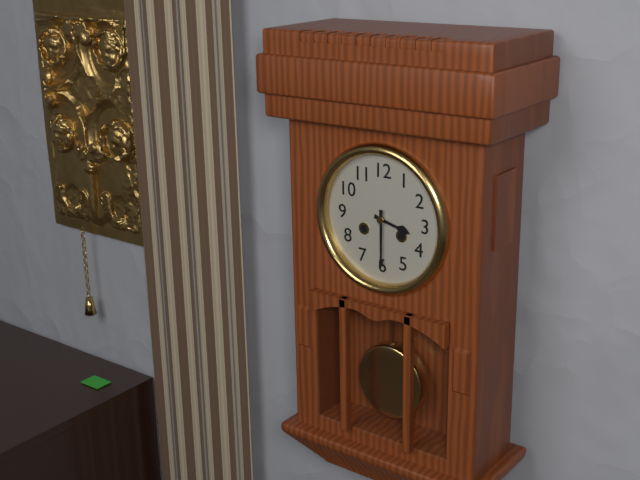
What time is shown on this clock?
3:30
